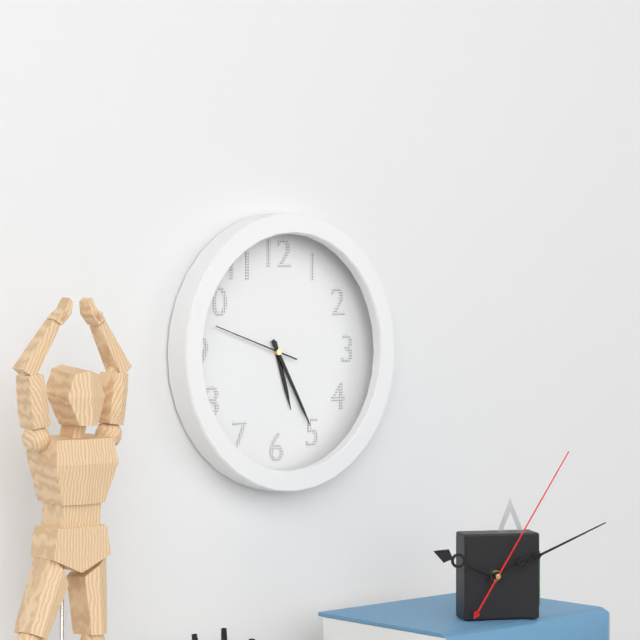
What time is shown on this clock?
5:25:48
